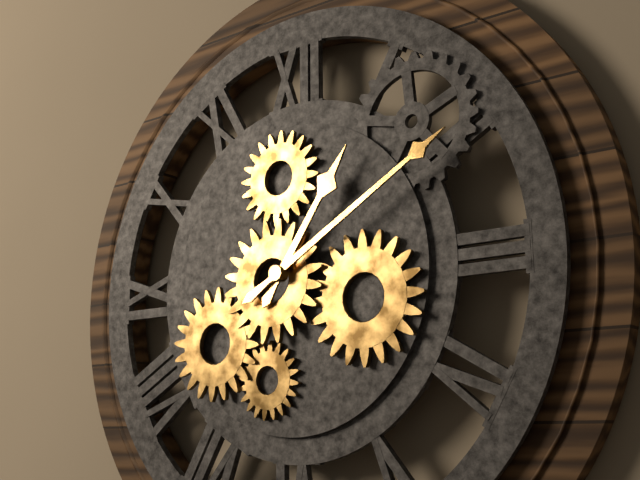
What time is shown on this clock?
1:10
